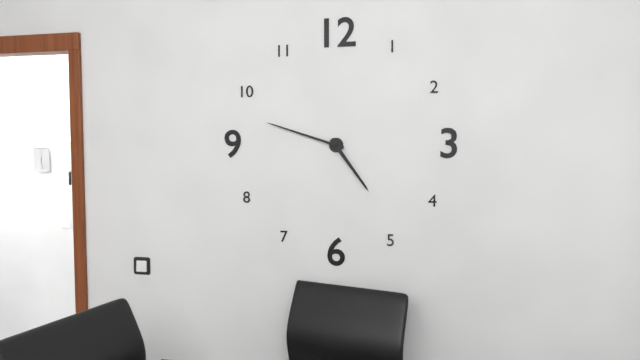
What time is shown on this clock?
4:48
